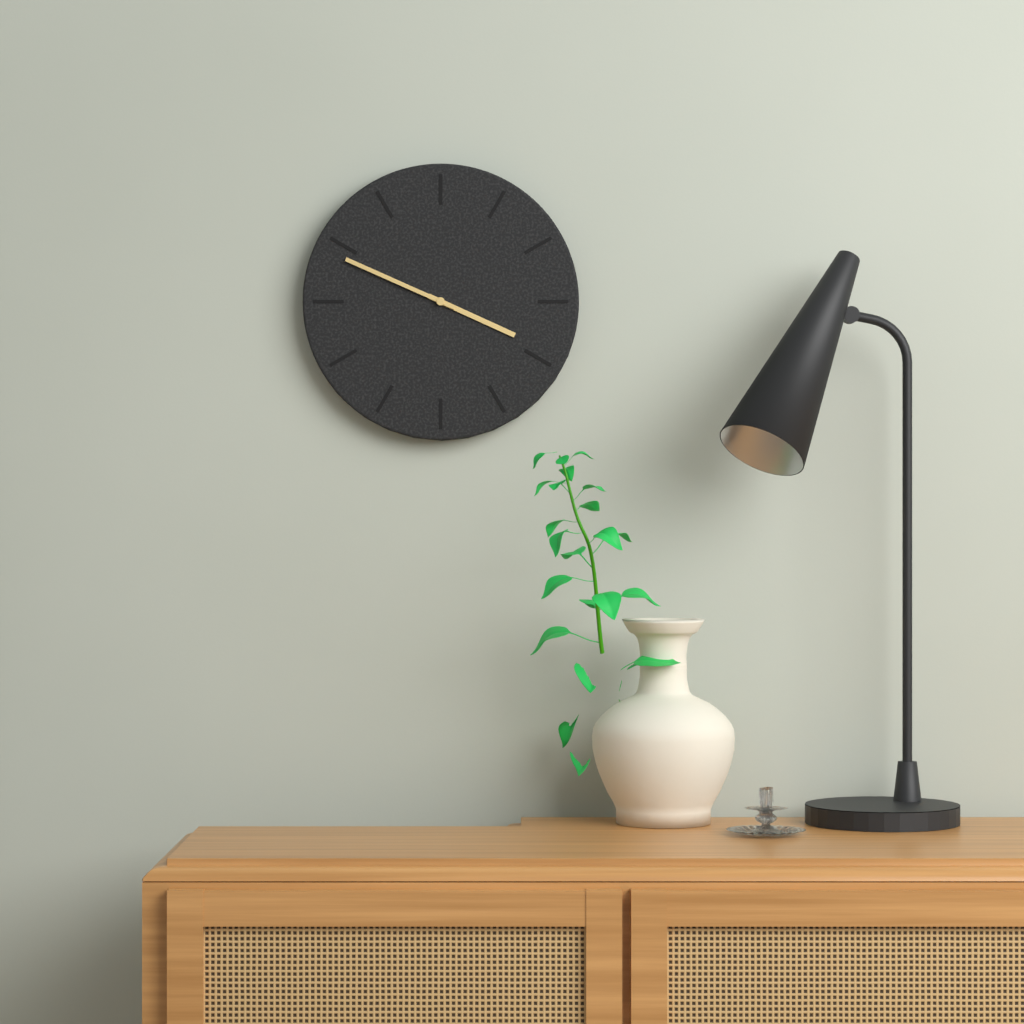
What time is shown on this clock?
3:49
